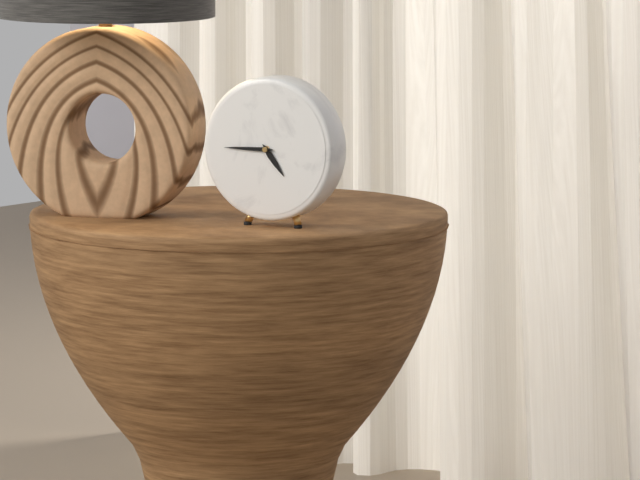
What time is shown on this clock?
4:45
